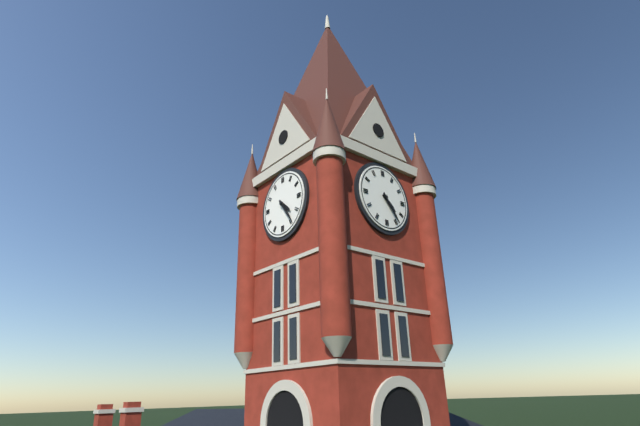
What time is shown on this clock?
4:24
